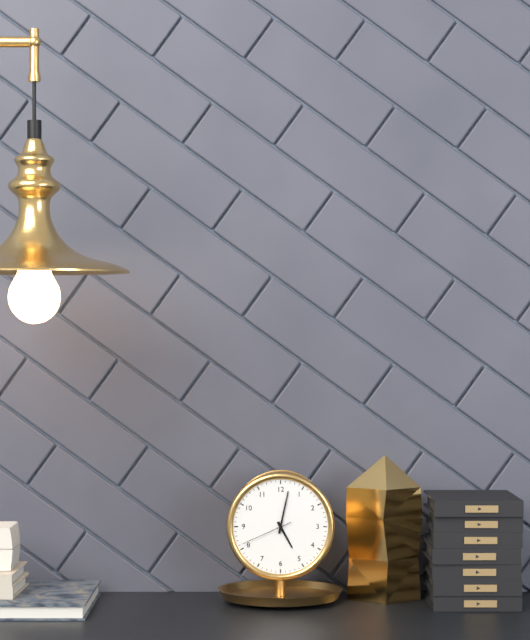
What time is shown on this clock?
5:02:41
